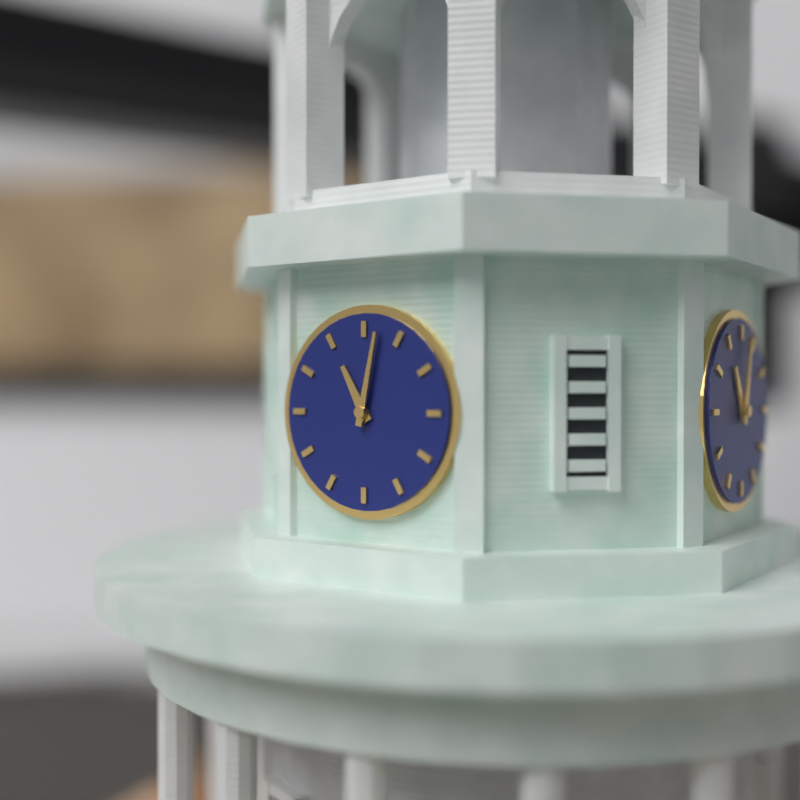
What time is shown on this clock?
11:02
